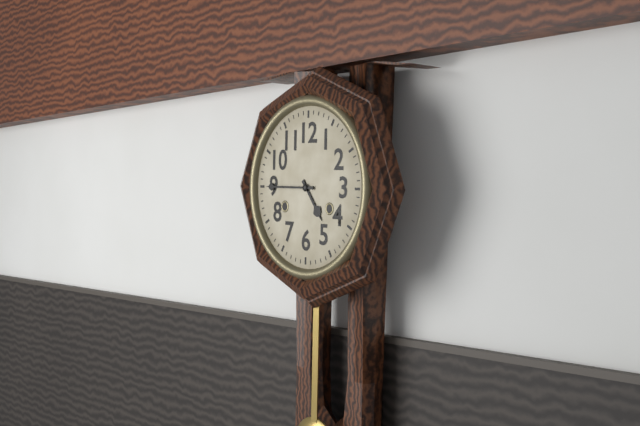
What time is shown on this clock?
4:45
